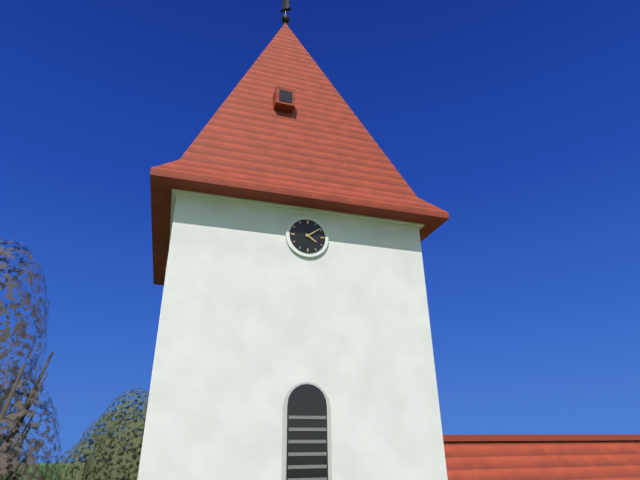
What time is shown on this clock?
4:09
